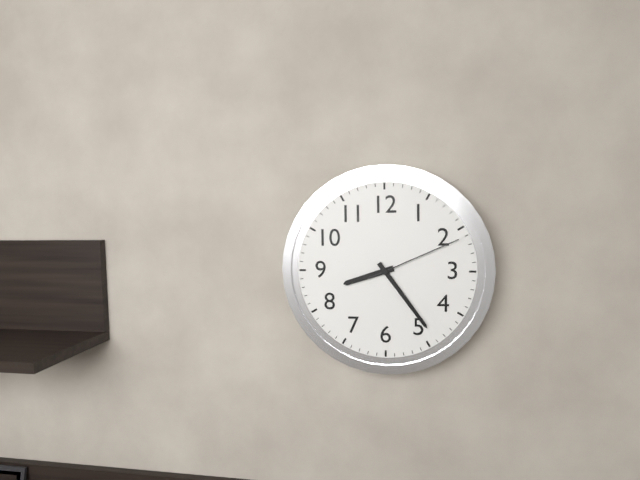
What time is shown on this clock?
8:24:11
